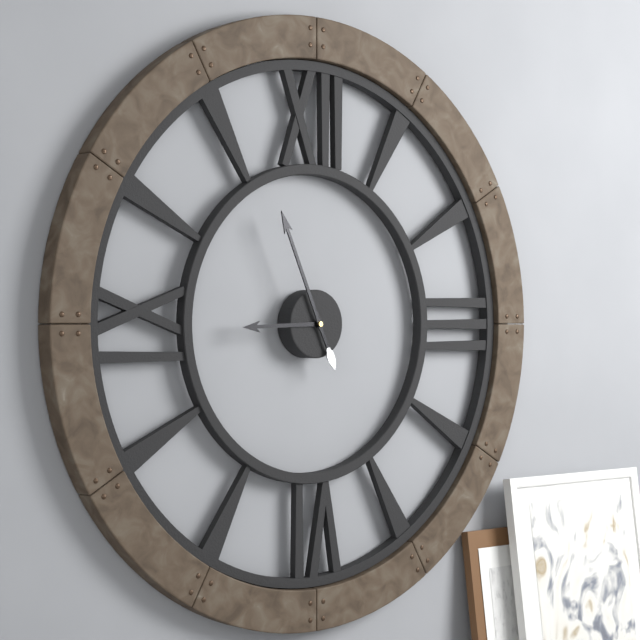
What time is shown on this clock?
8:56
